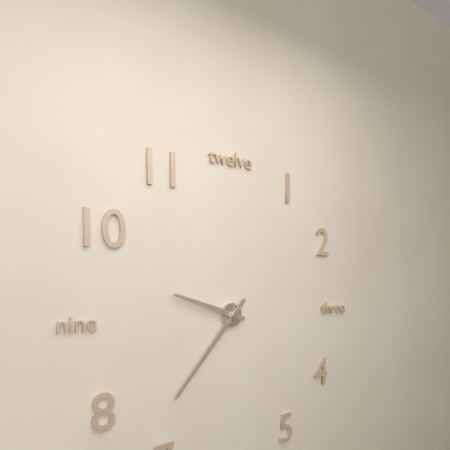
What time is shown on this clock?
9:37
